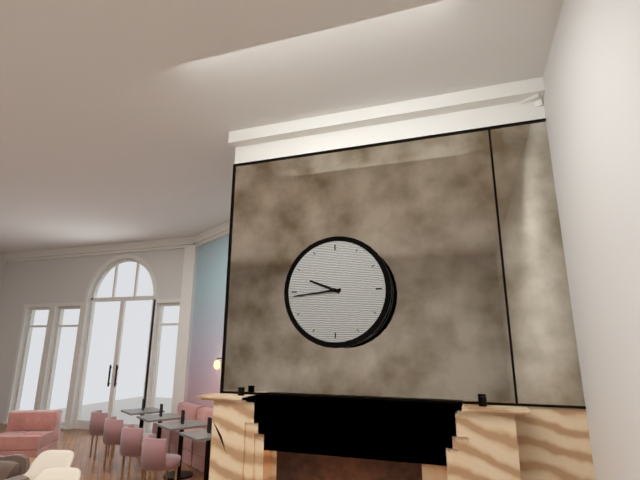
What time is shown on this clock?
9:44
